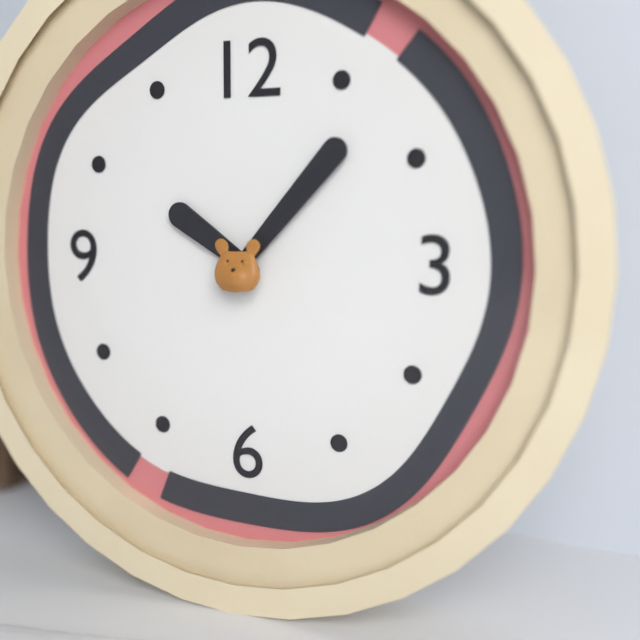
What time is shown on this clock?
10:07
